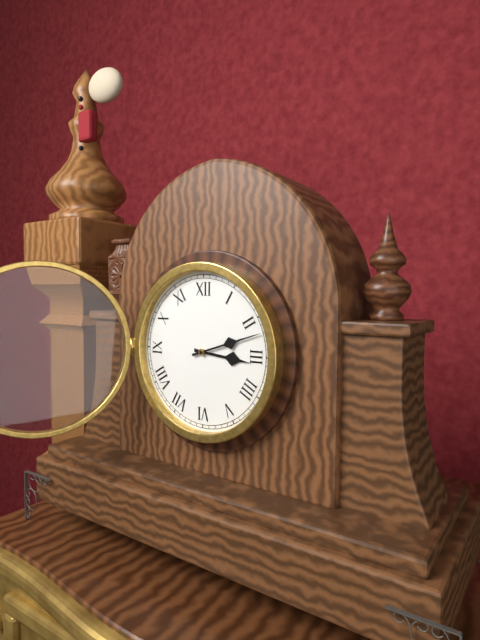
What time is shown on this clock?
3:12
